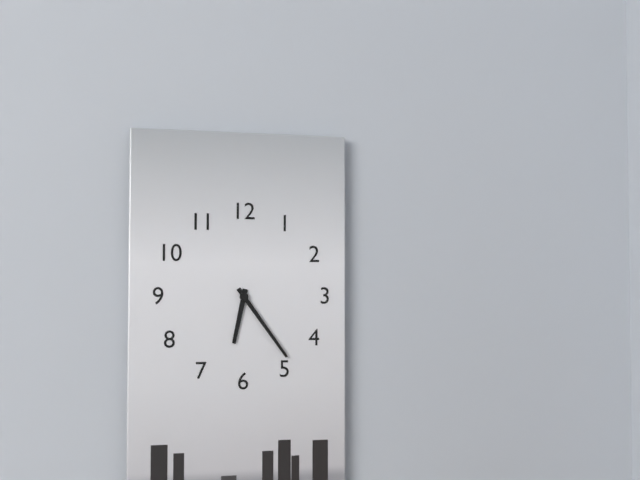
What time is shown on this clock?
6:24
